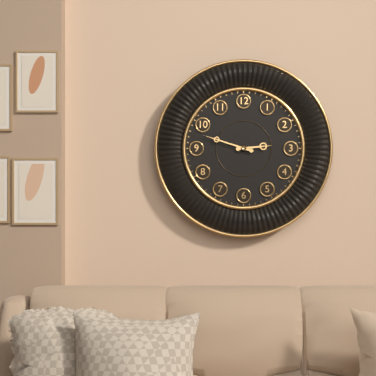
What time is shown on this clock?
2:48
